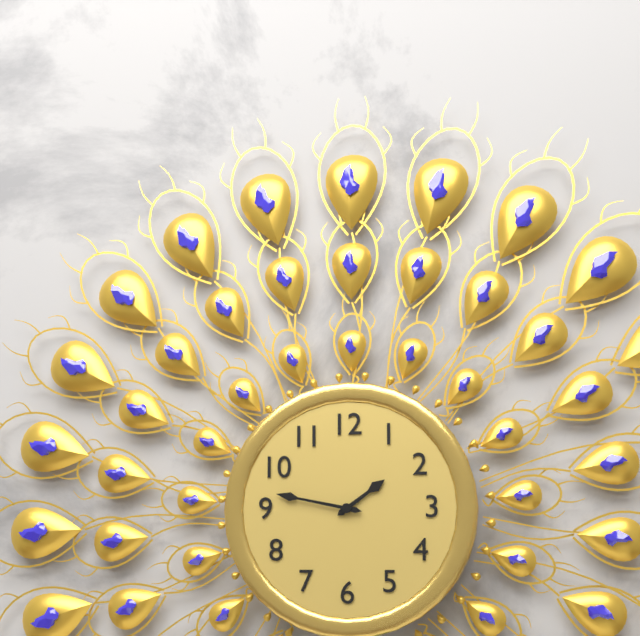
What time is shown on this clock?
1:47
